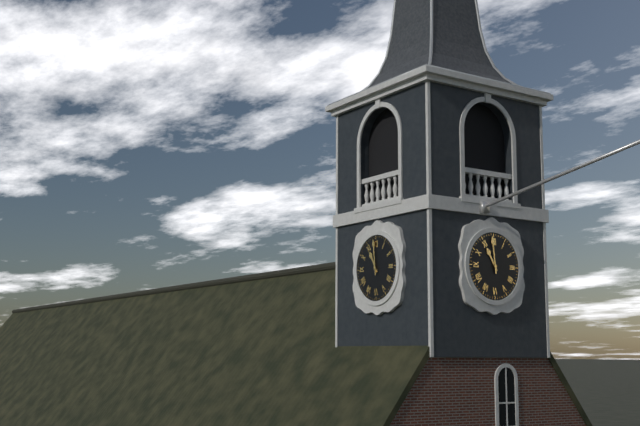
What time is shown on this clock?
10:59
